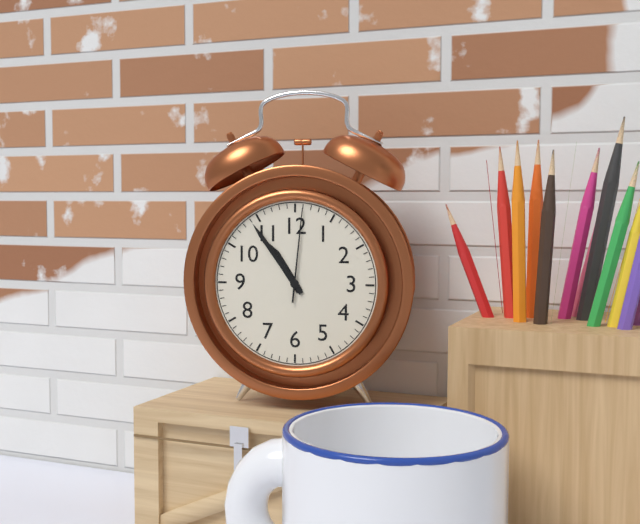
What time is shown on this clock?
10:54:01
